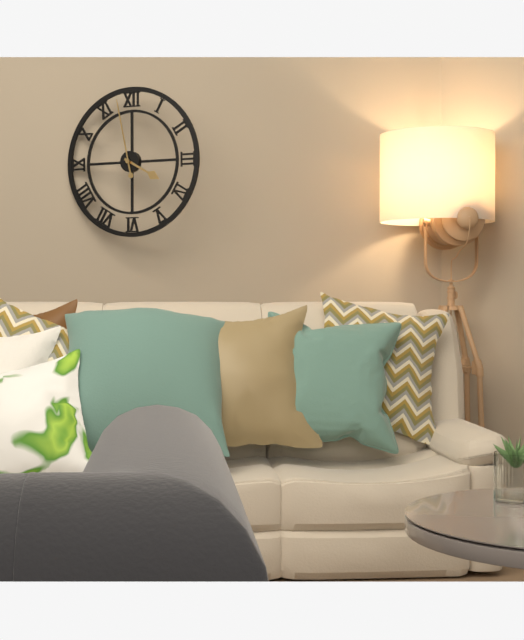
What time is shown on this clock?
3:58
